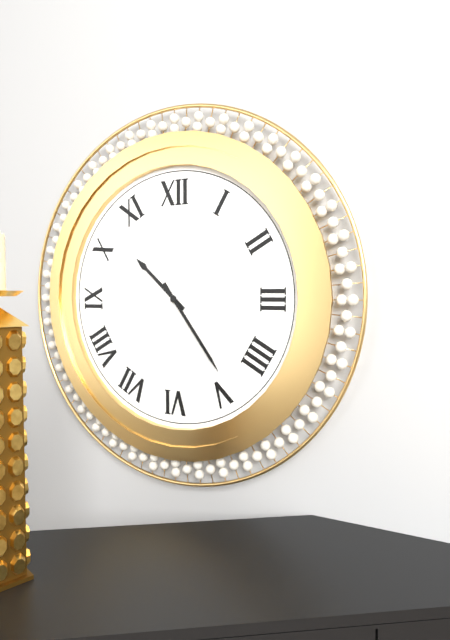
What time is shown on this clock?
10:24
